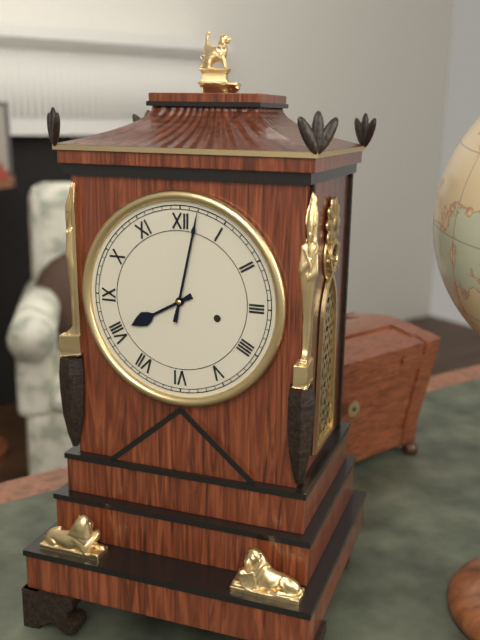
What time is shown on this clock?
8:02
